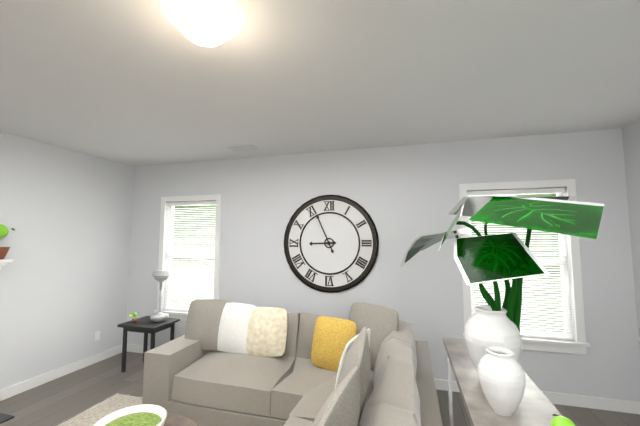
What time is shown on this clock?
8:56
